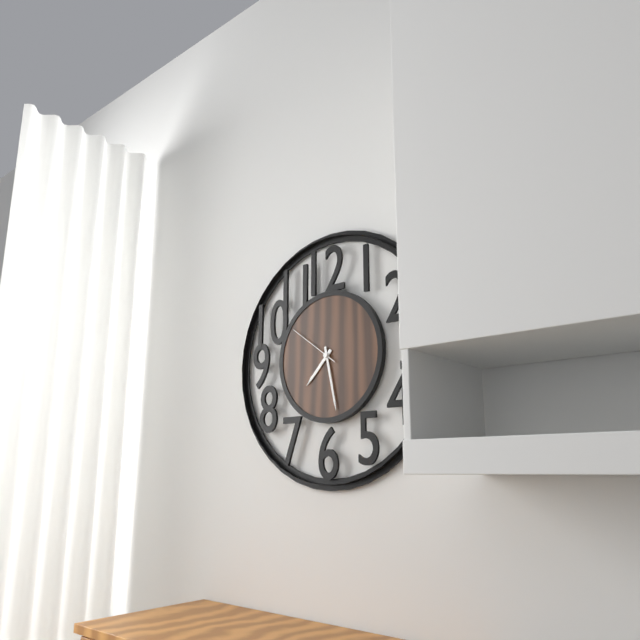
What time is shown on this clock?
7:28:51
